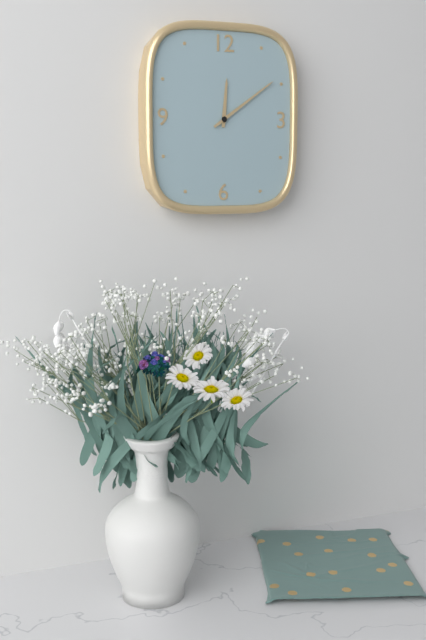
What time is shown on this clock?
12:09
